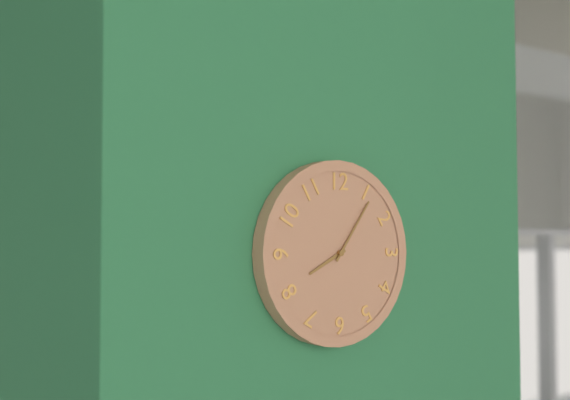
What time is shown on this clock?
8:06
